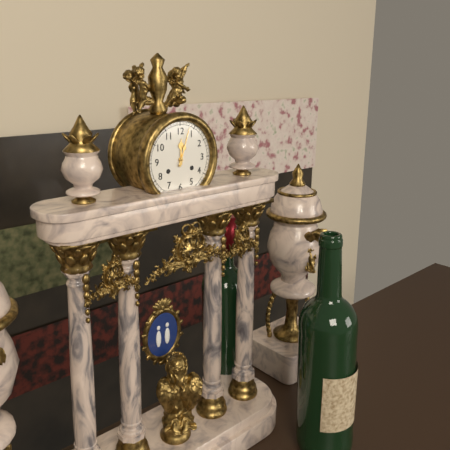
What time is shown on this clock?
12:03
